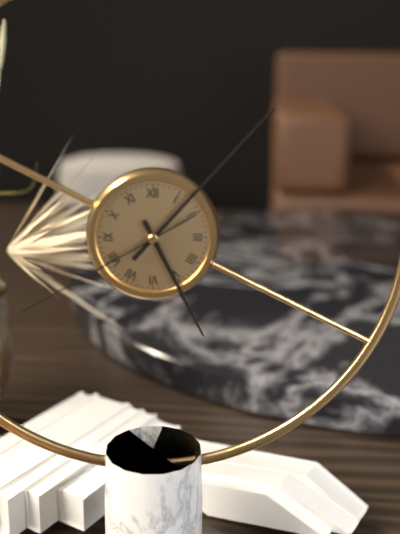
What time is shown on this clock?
5:07:40
